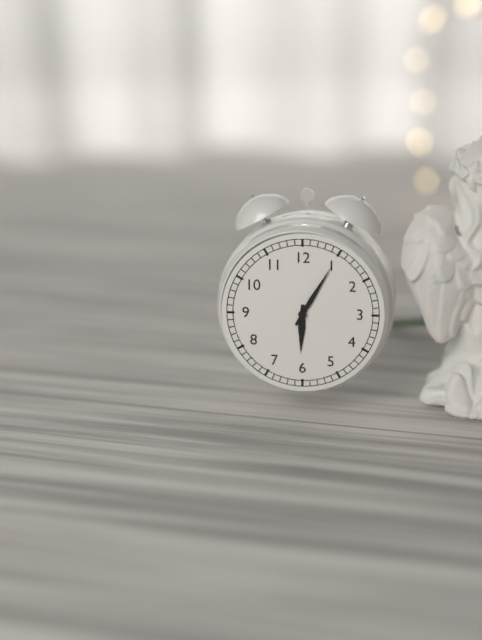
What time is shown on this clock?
6:05
